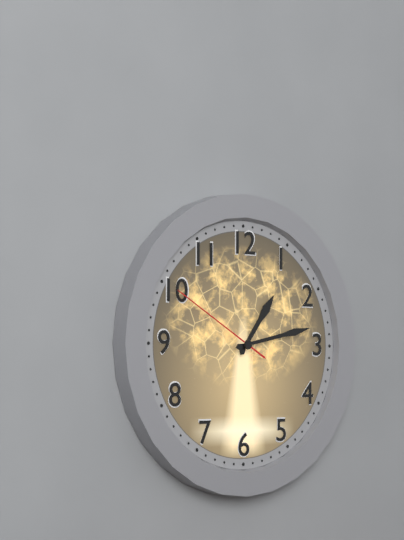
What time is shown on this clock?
1:13:50
